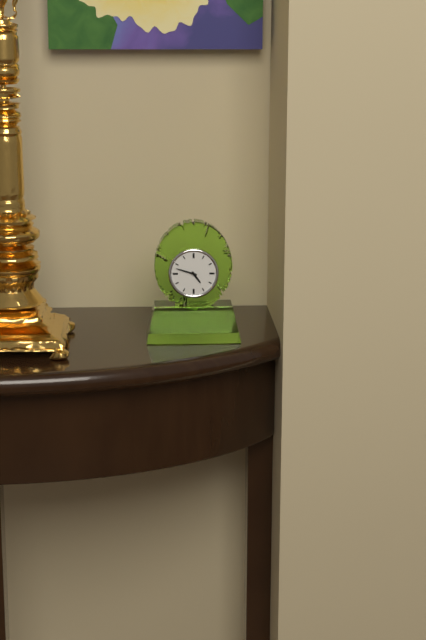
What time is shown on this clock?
4:48
